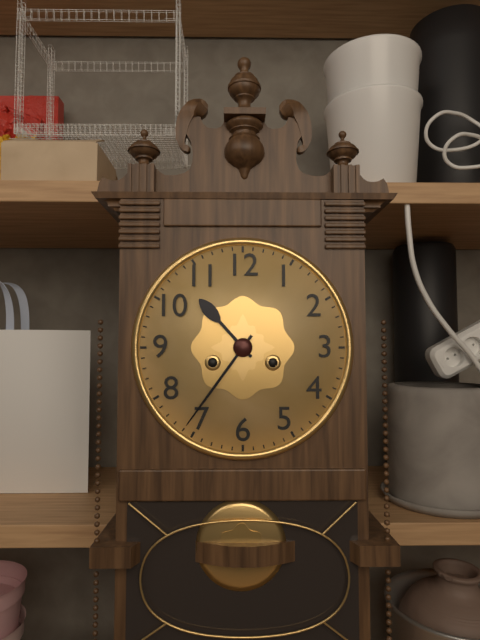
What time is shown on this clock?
10:36
